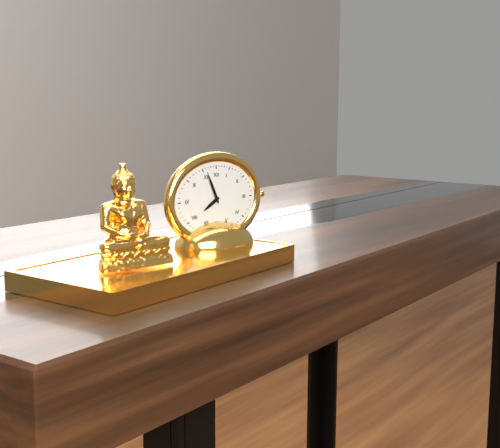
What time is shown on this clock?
7:56
